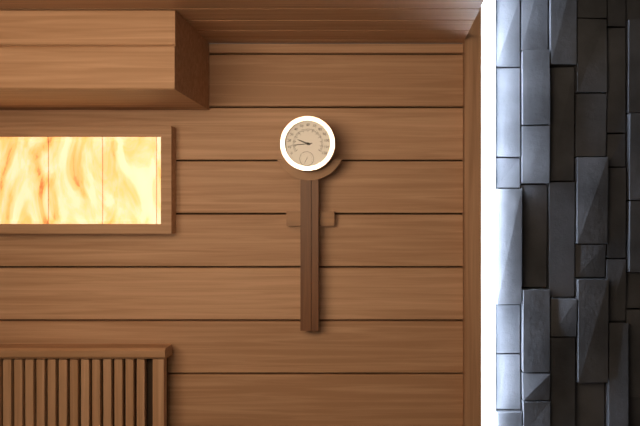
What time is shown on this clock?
9:44
